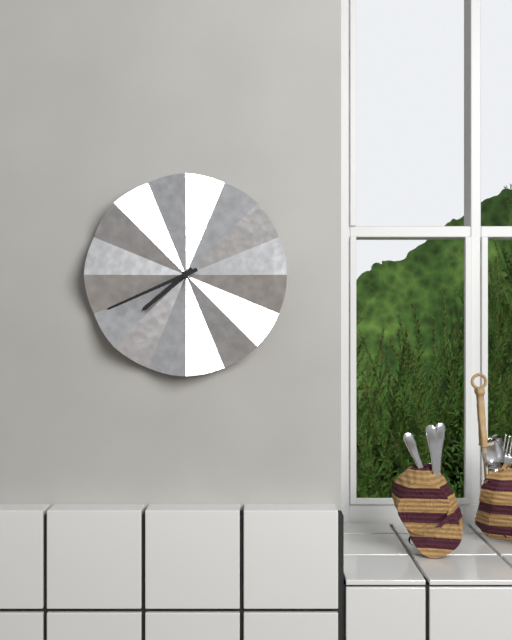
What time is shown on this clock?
7:41
